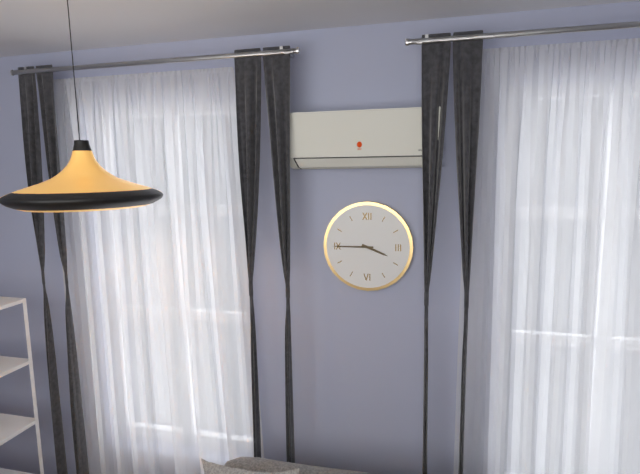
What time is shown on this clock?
3:45
